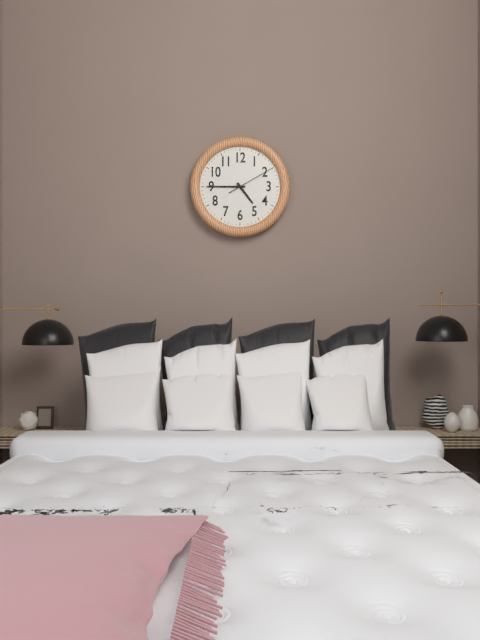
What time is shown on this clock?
4:45
